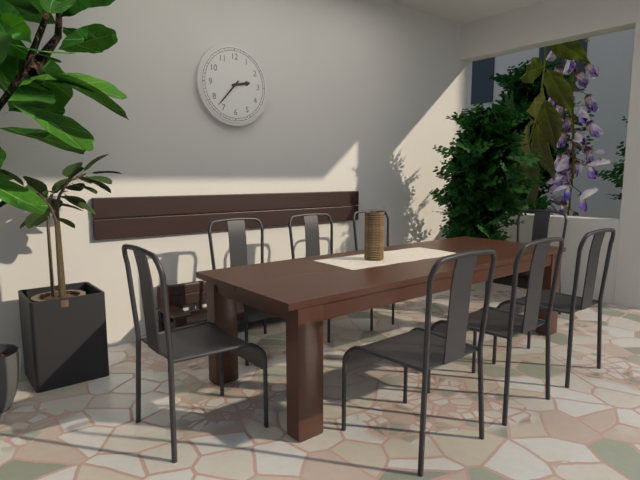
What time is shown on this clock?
2:37
